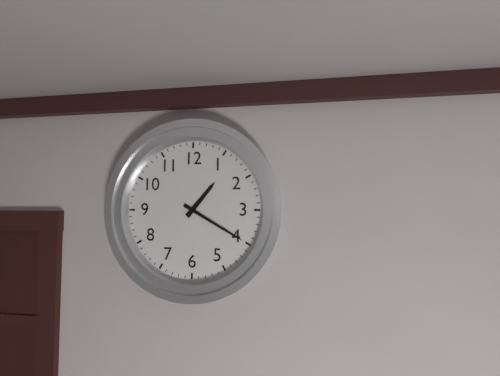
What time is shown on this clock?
1:20
